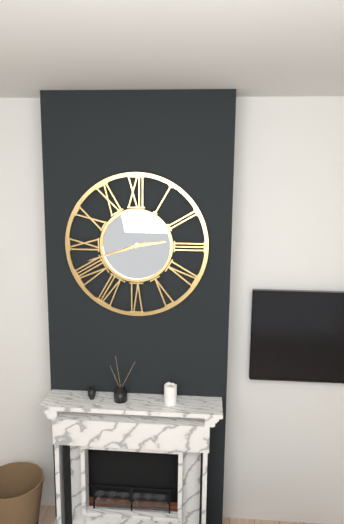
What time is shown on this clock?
2:42
